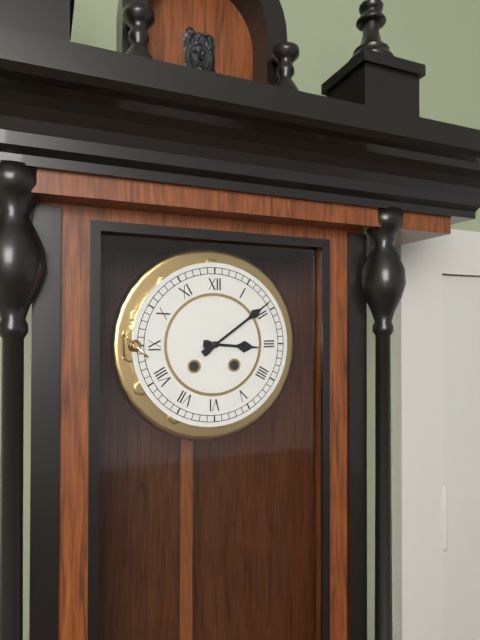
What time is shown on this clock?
3:09
